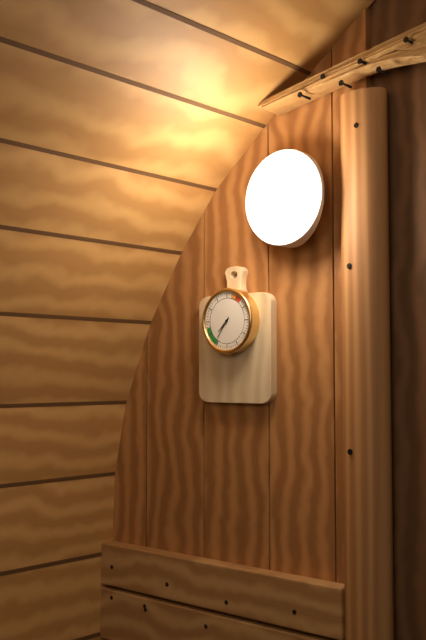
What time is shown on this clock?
7:36
